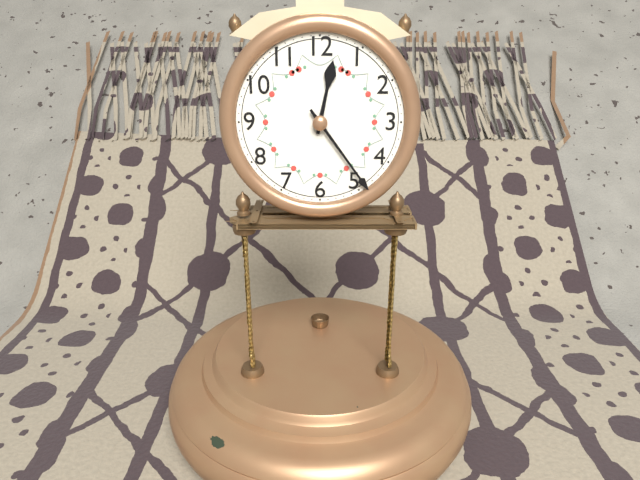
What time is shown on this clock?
12:24
